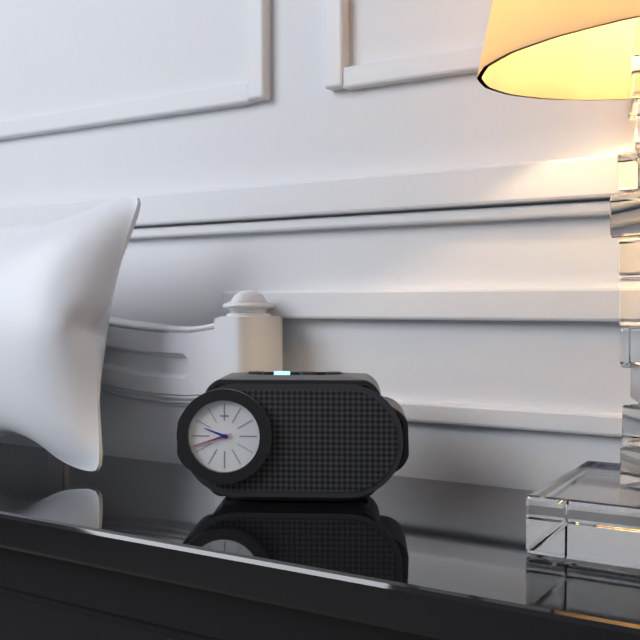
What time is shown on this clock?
9:42:42
